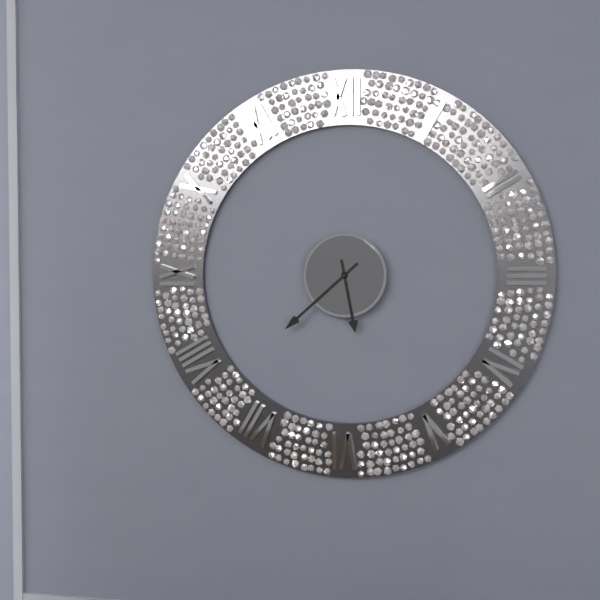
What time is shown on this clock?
5:38
